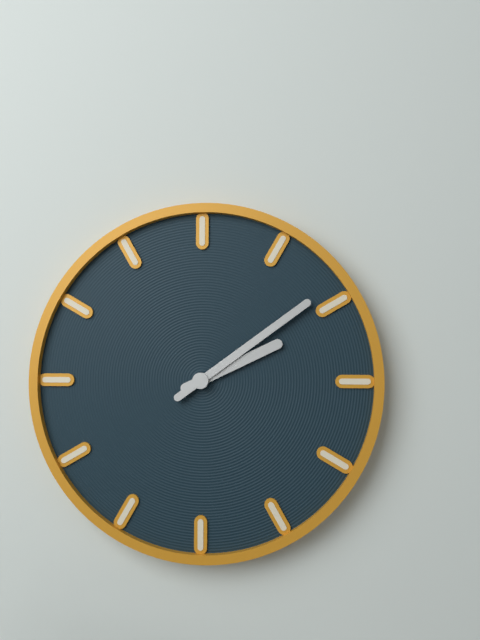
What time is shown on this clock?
2:09
